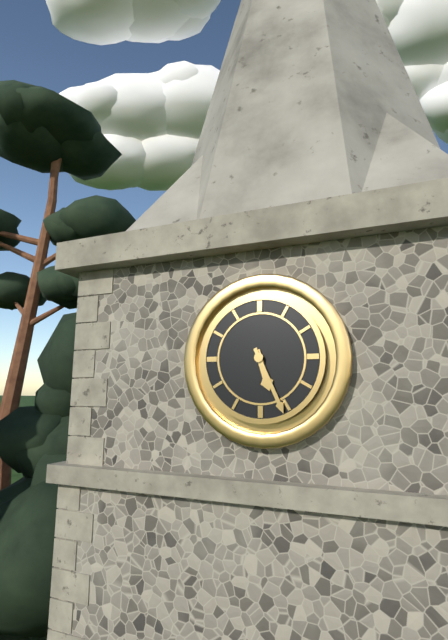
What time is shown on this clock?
5:26
